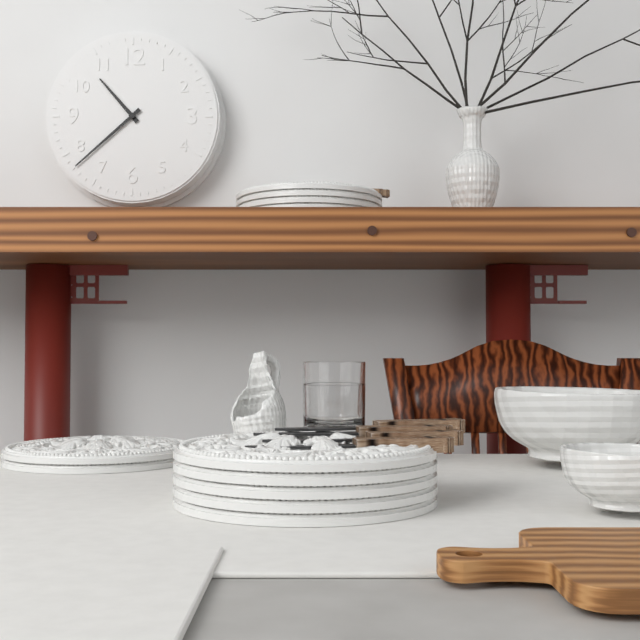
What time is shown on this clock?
10:38
